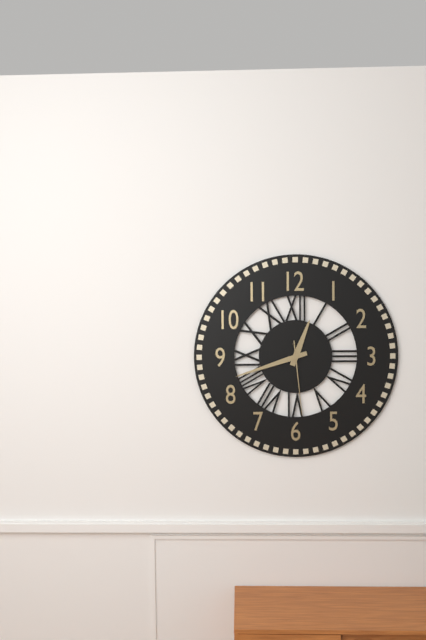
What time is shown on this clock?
12:42:29
